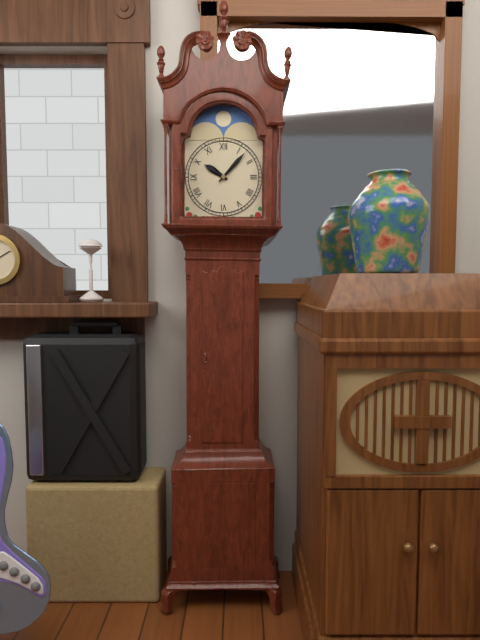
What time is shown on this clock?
10:07
